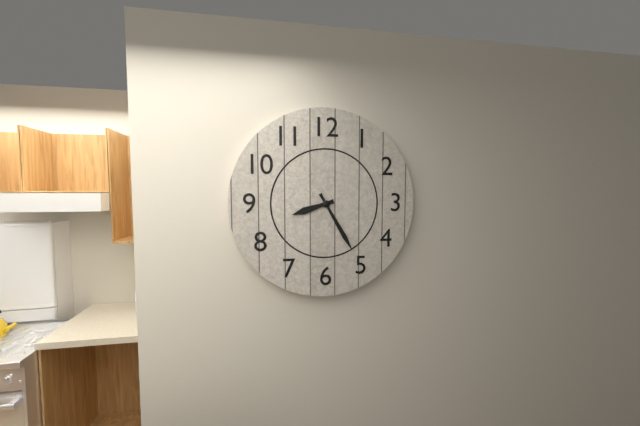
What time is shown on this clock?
8:25
